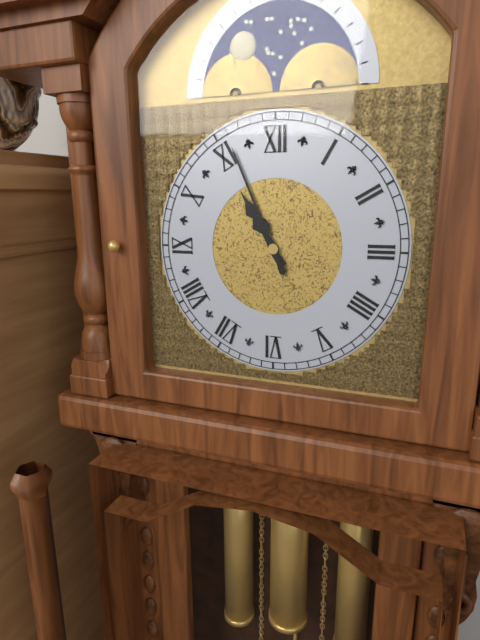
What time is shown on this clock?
10:56
